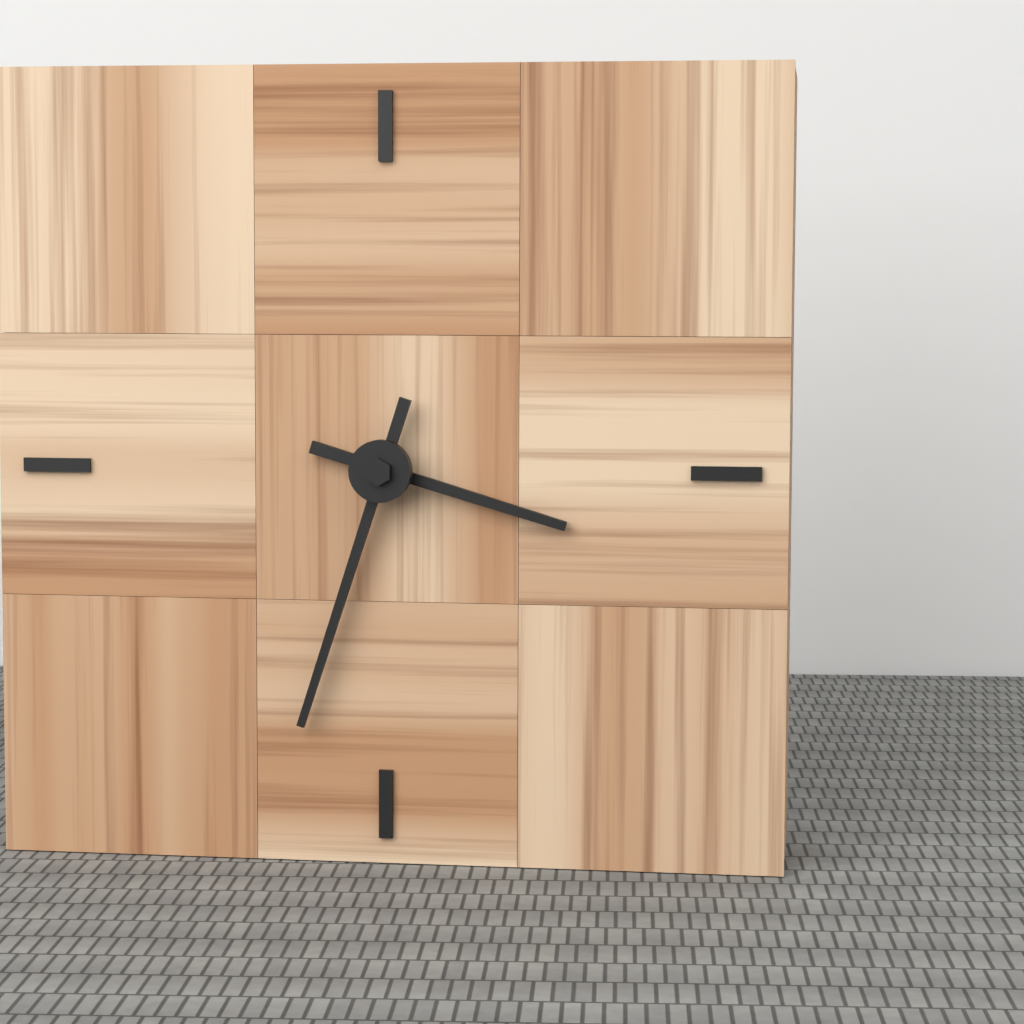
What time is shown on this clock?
3:33
